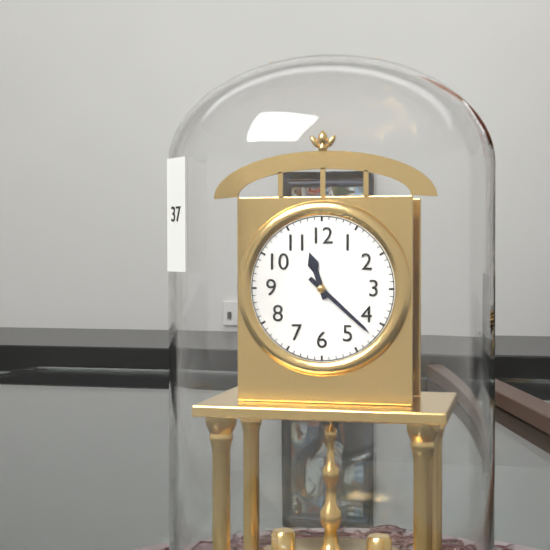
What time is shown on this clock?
11:22
